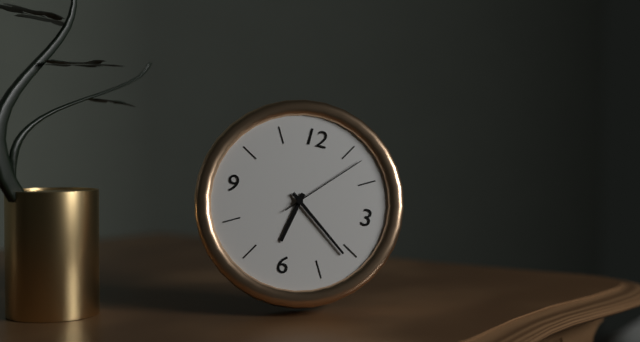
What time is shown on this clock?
6:21:07
